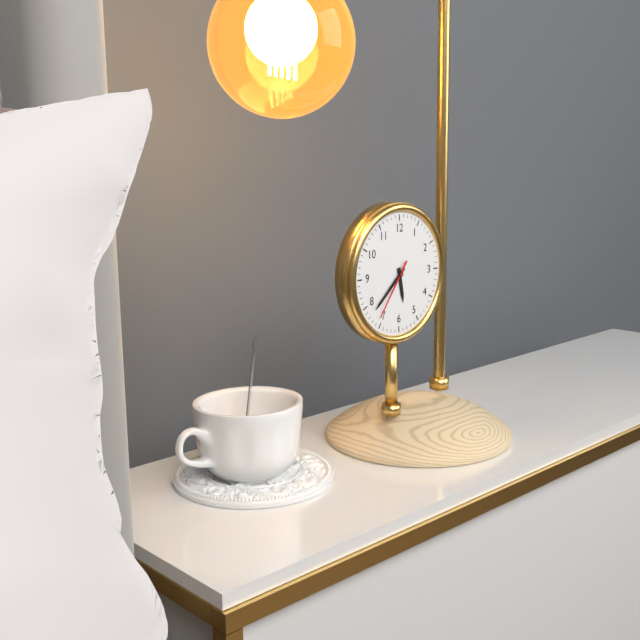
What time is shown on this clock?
5:38:36
